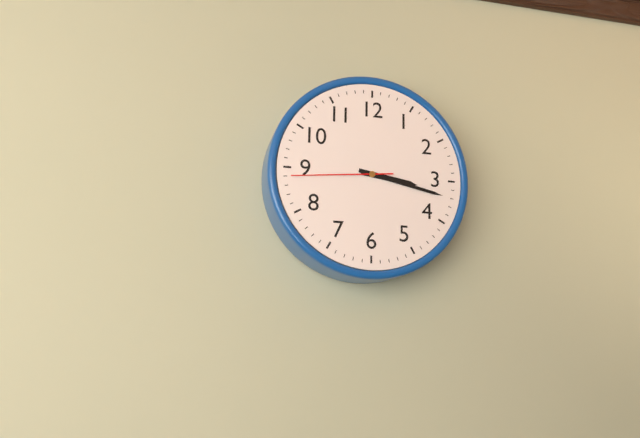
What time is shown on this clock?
3:17:44
